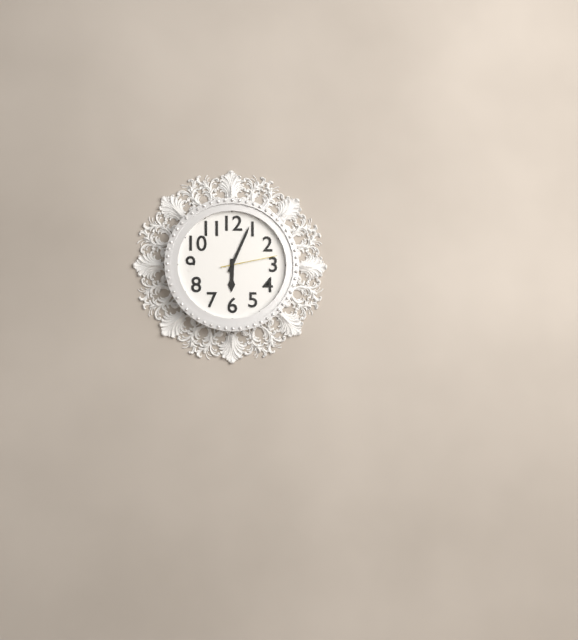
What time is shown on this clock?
6:04:13
